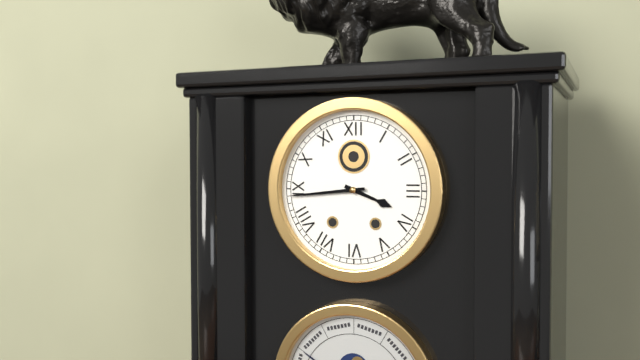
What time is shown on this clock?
3:44
